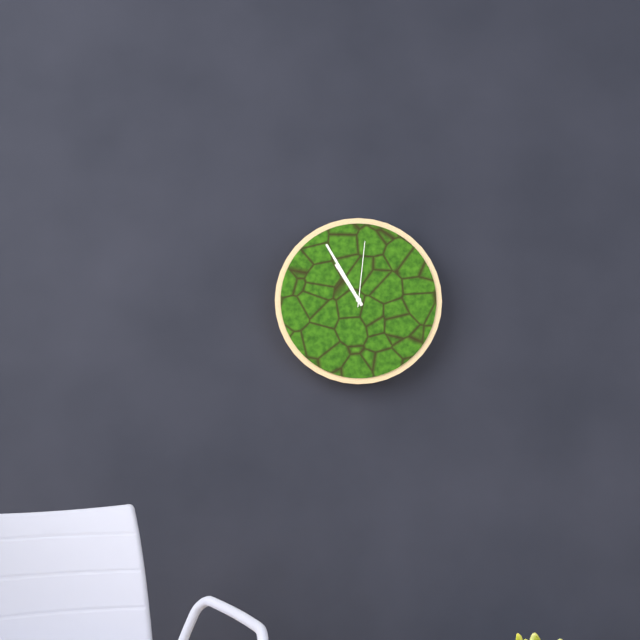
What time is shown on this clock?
10:55:01
